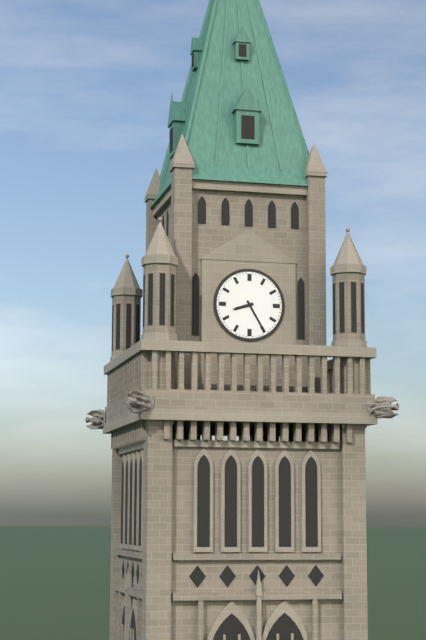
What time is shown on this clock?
8:25
